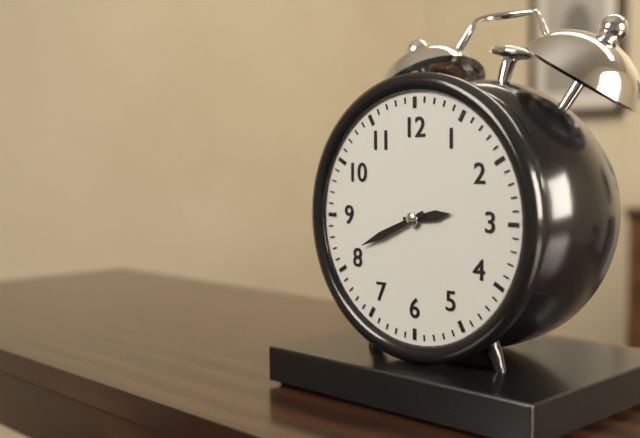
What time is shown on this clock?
2:41
